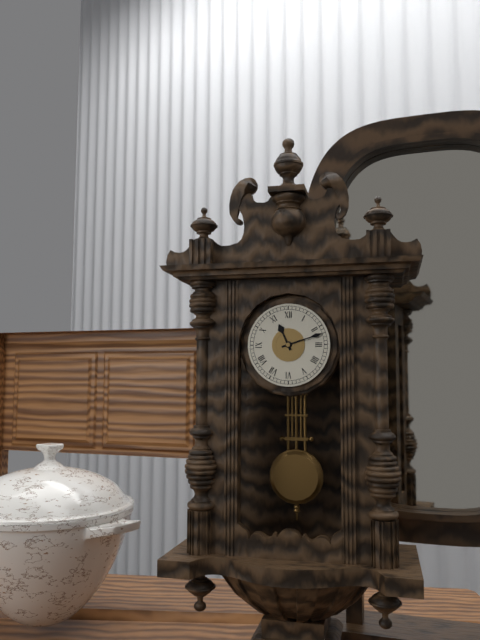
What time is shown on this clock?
11:12
